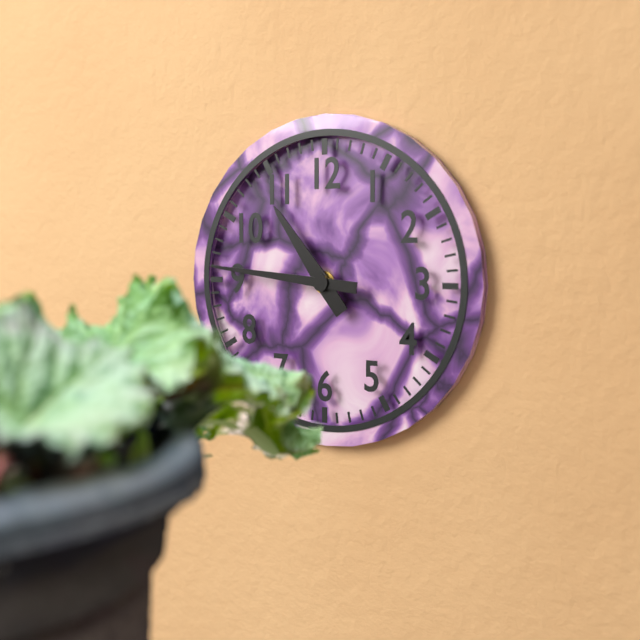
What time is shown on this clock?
10:46
